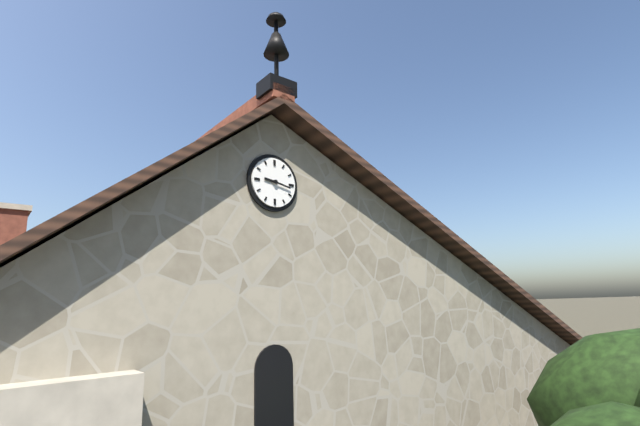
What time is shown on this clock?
9:17
